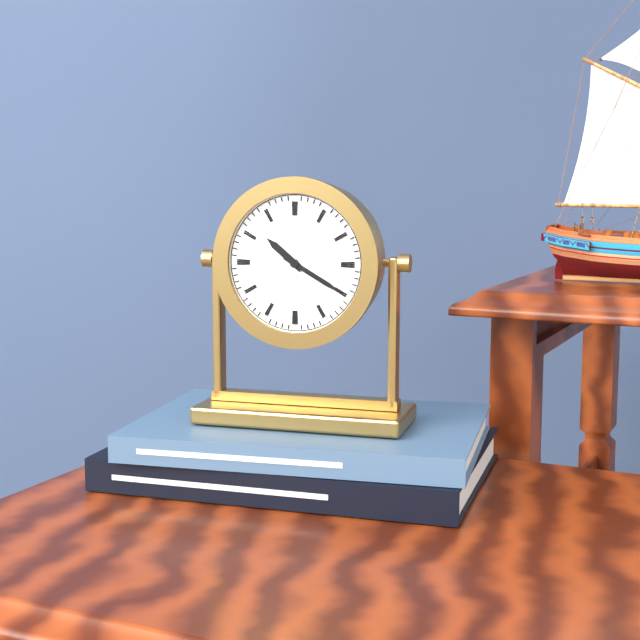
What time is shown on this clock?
10:20
